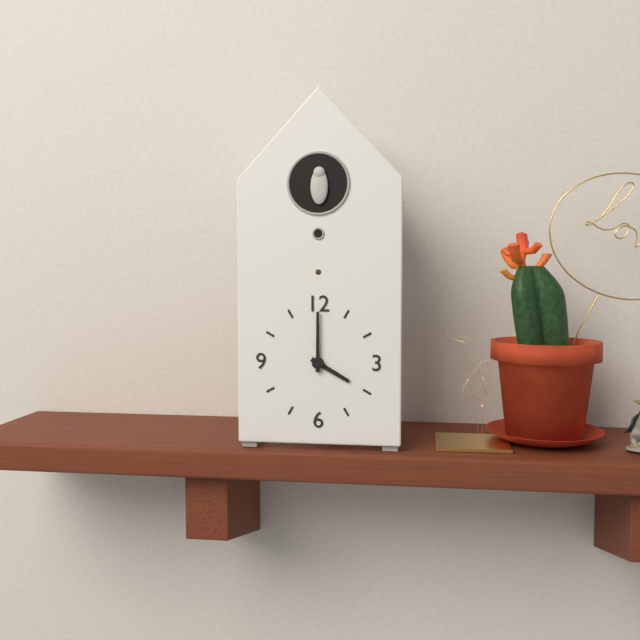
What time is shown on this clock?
4:00
